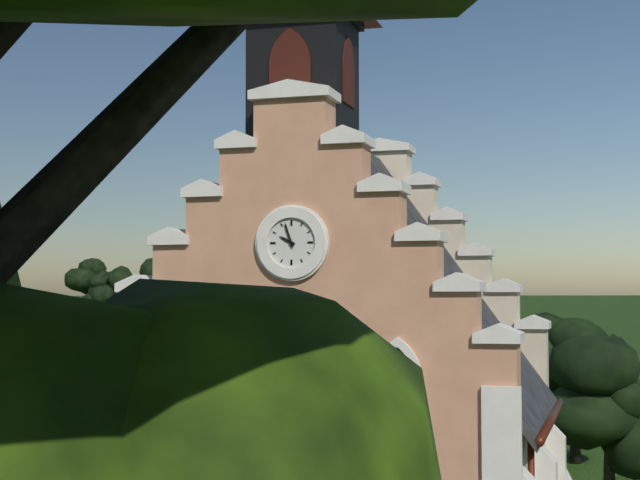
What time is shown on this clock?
9:57
